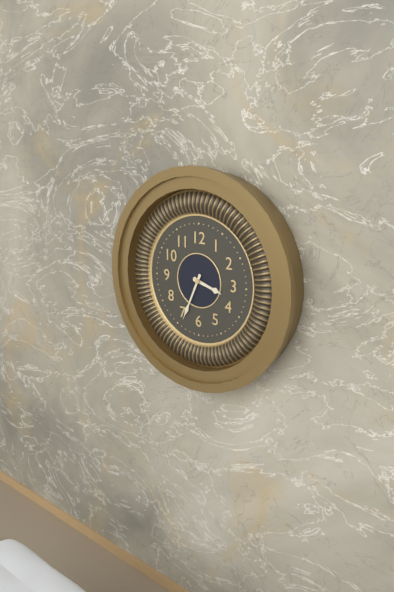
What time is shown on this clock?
3:34
